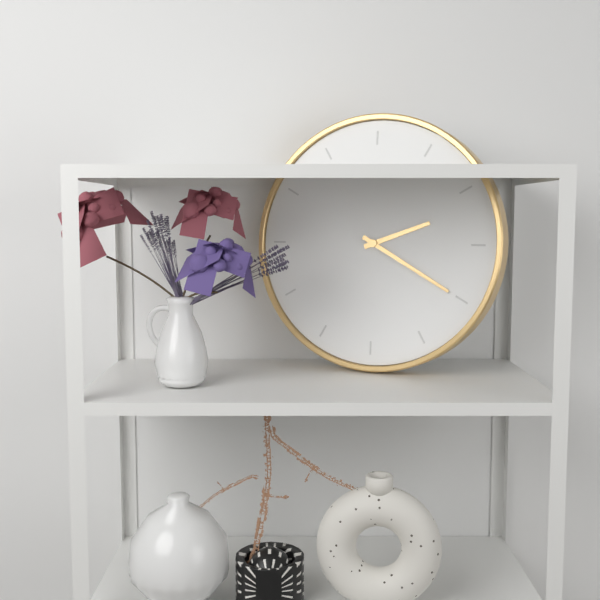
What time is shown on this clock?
2:20
